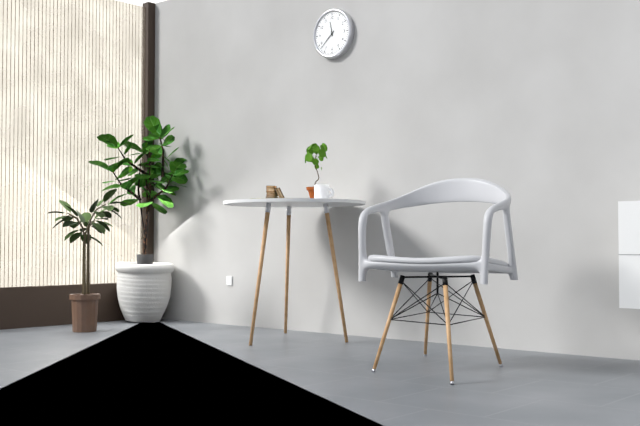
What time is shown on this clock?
11:38
